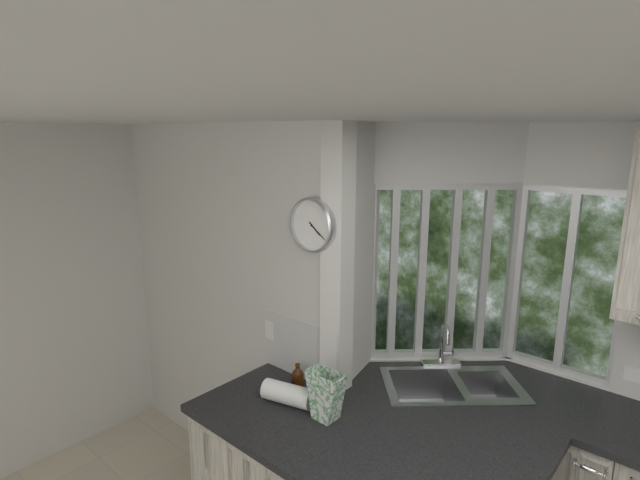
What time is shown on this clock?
4:21
